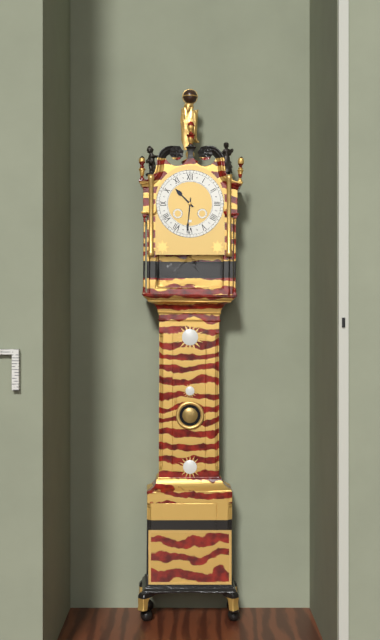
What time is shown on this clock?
10:31
